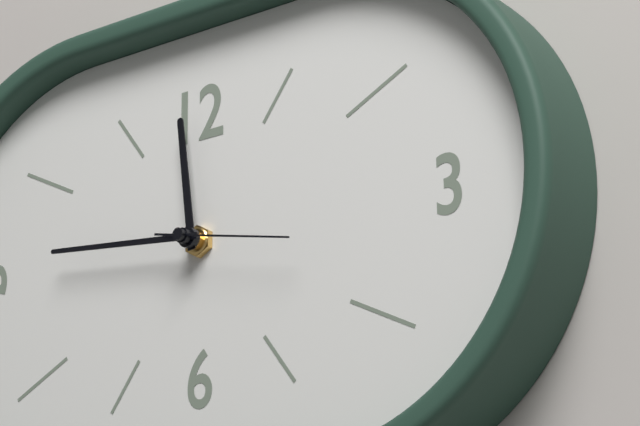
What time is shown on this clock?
11:46:17
